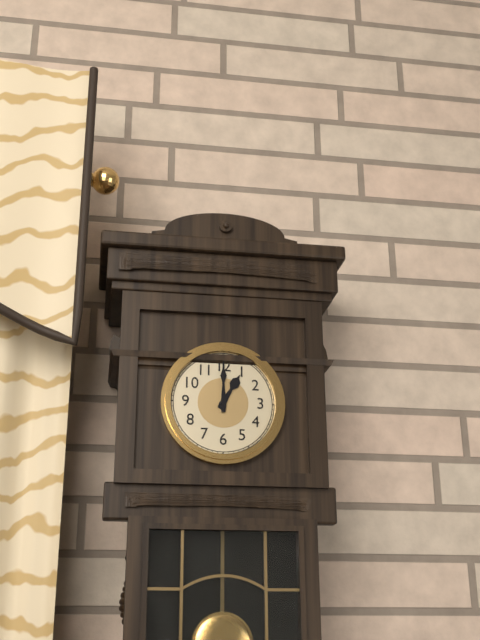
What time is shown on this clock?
1:00
